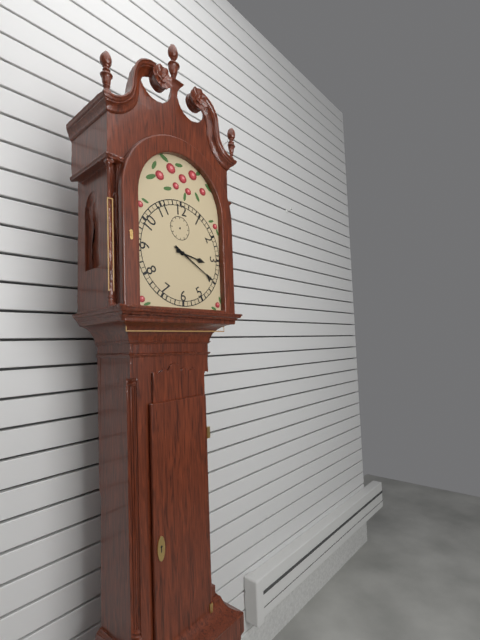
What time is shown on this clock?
3:20
